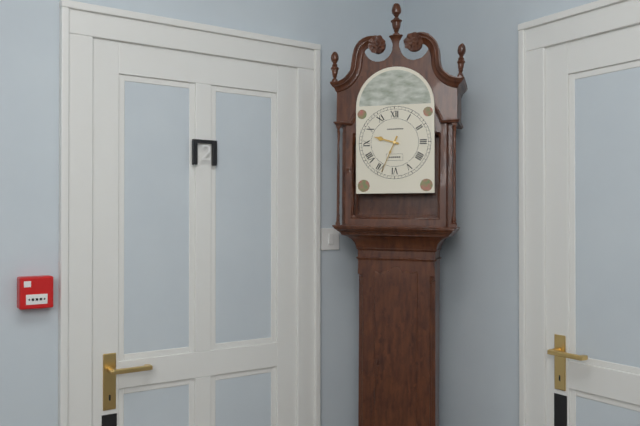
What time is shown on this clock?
9:34
